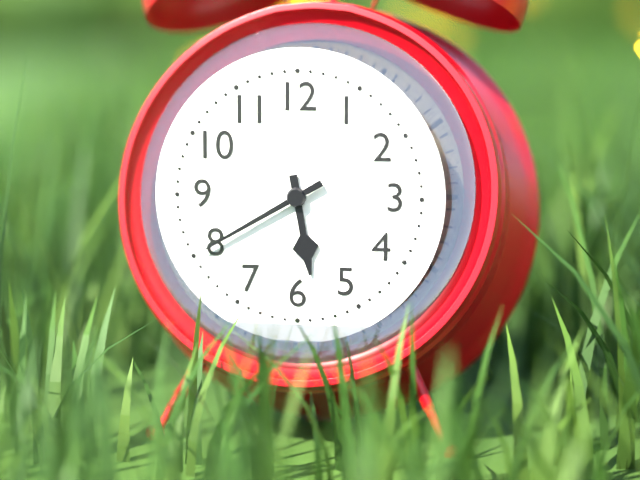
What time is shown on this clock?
5:40
